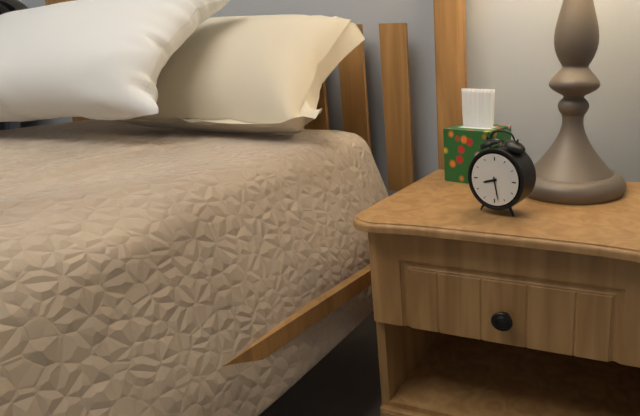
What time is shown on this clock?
8:28
